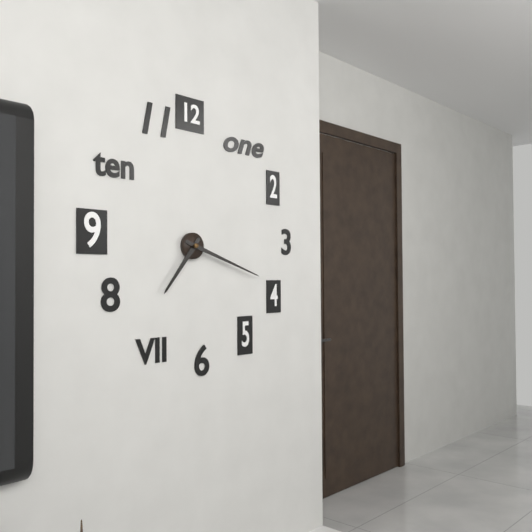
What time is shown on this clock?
7:18
